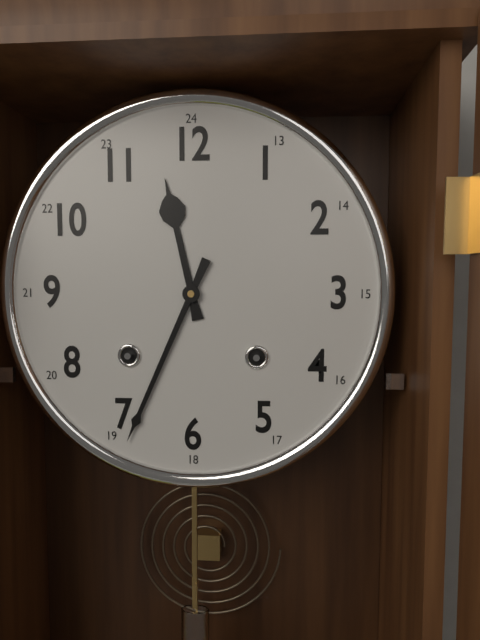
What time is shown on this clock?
11:34
